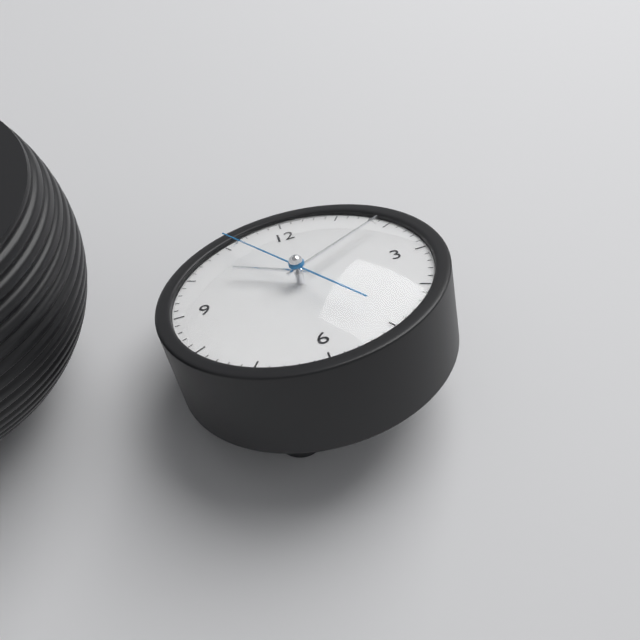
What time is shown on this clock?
10:10:55
